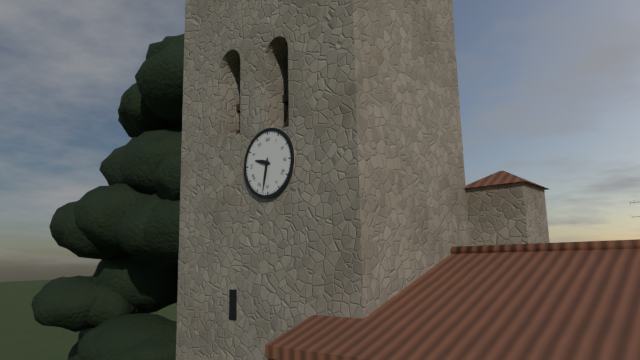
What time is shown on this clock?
9:32
